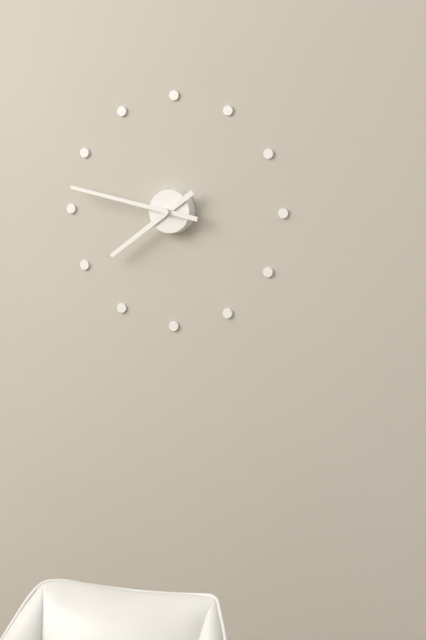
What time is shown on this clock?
7:47
